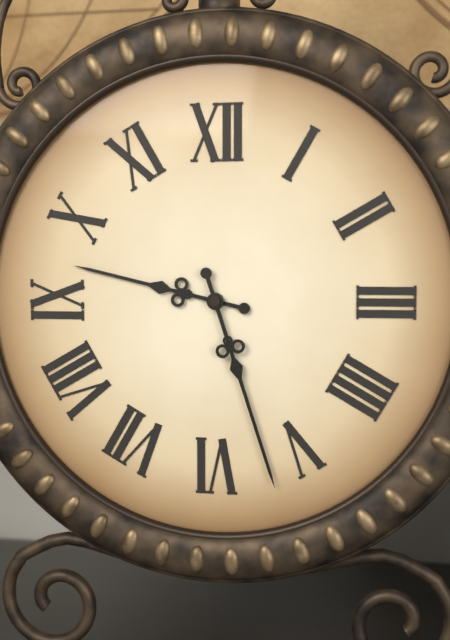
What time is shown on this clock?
9:27
